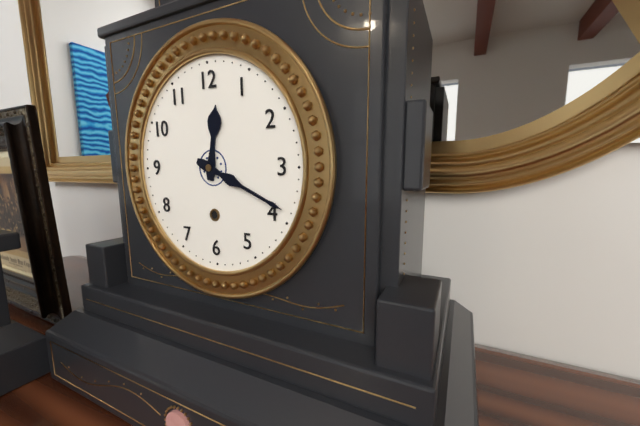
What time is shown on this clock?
12:19
